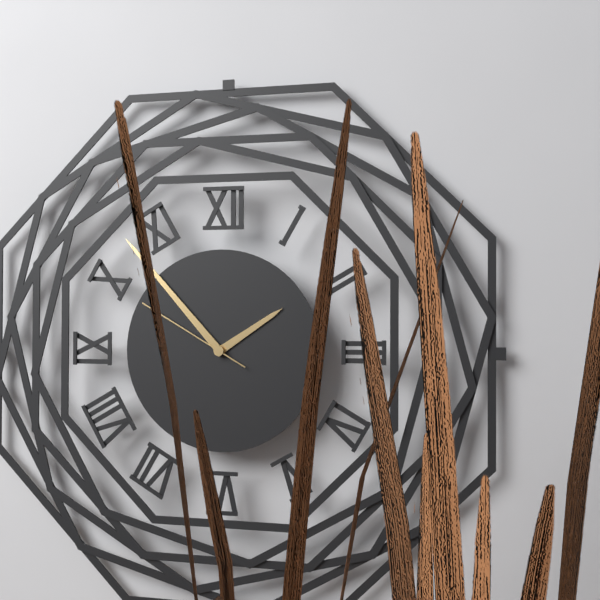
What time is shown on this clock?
1:53:50
